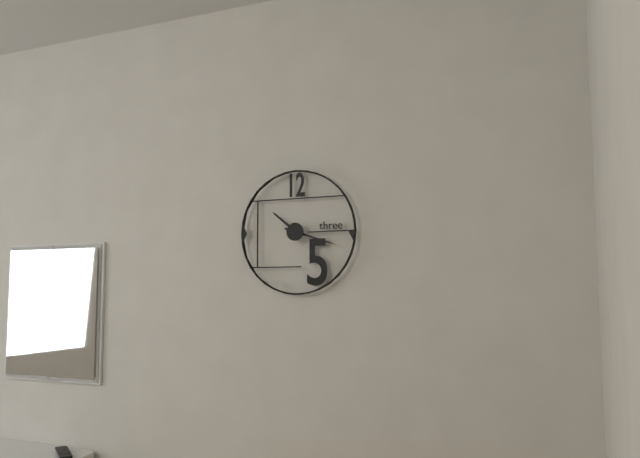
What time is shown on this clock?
10:18
